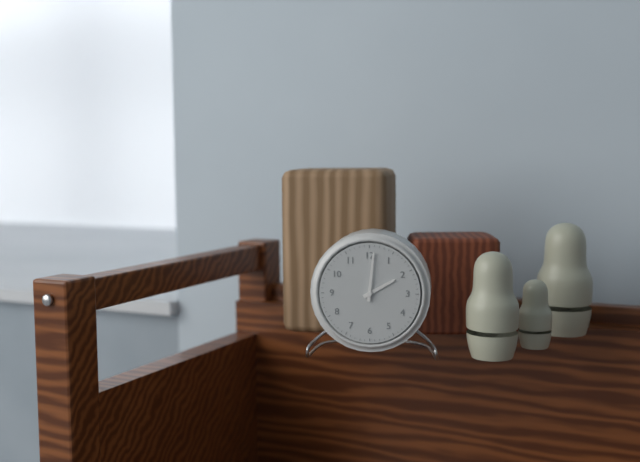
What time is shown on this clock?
2:01
